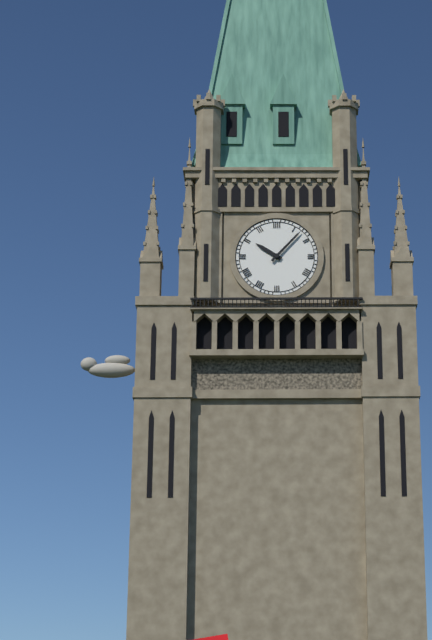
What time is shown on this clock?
10:07
